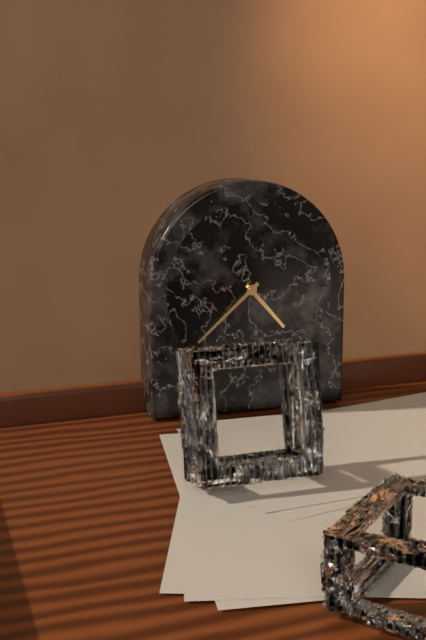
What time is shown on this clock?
4:38
